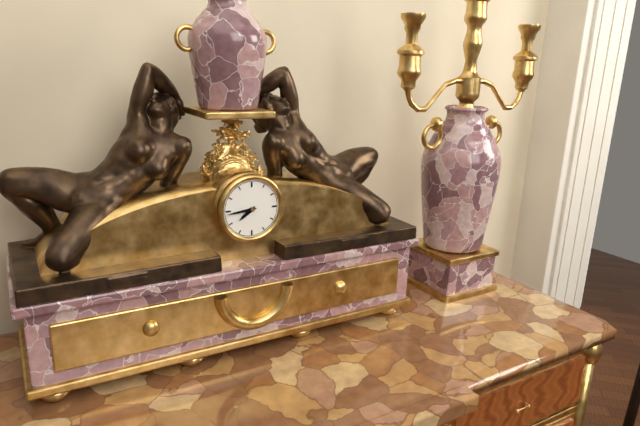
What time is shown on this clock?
7:44
